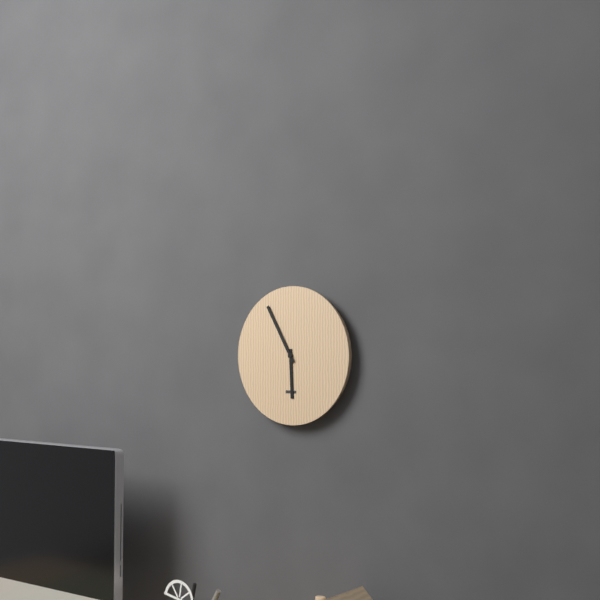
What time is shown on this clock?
5:55
